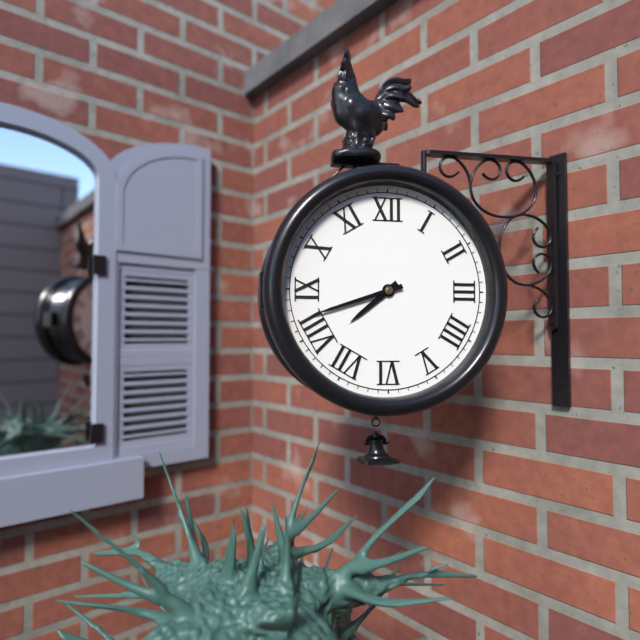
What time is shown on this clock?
7:42
